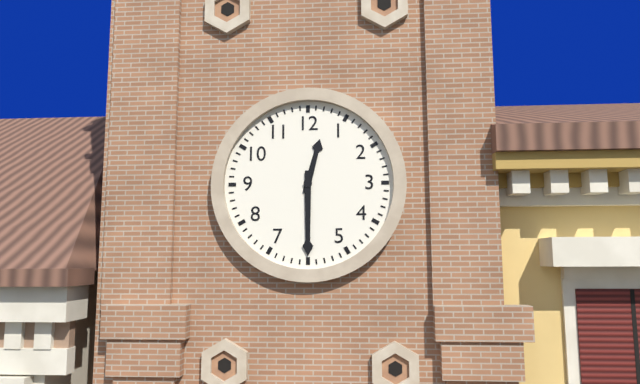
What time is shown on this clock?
12:30
